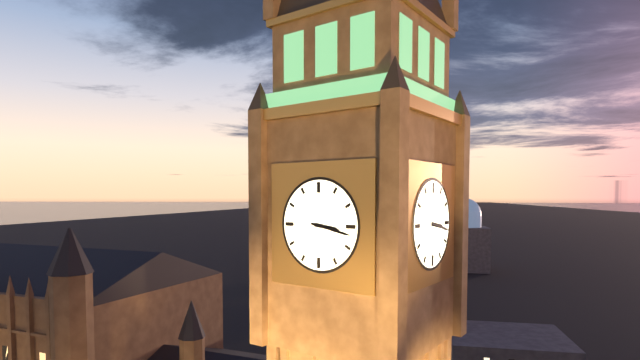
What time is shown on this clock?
3:17
